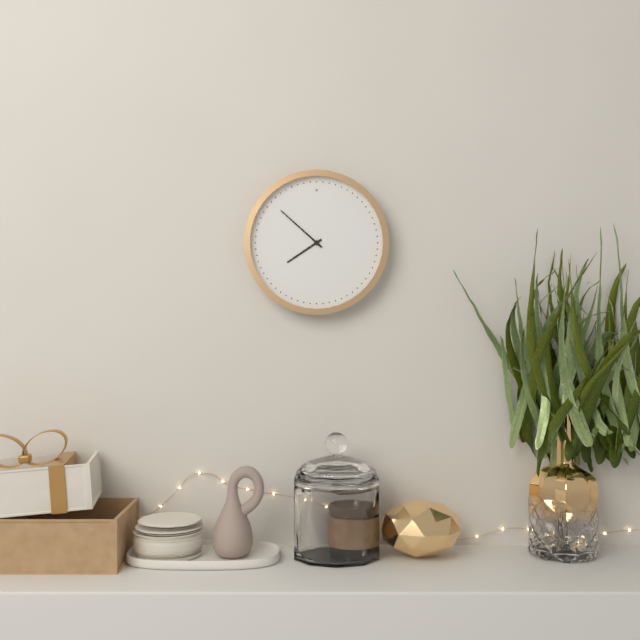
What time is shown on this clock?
7:52
